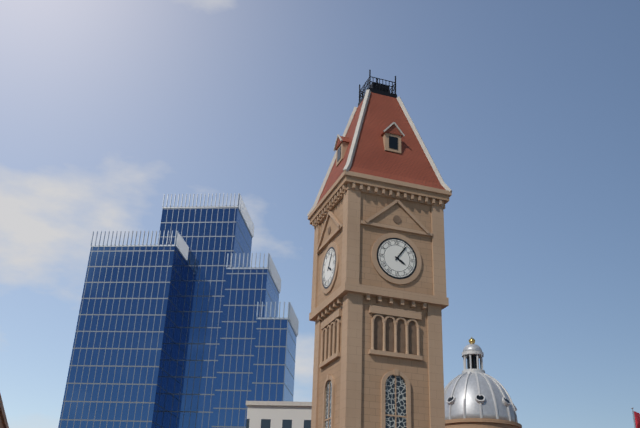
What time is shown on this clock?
4:06
